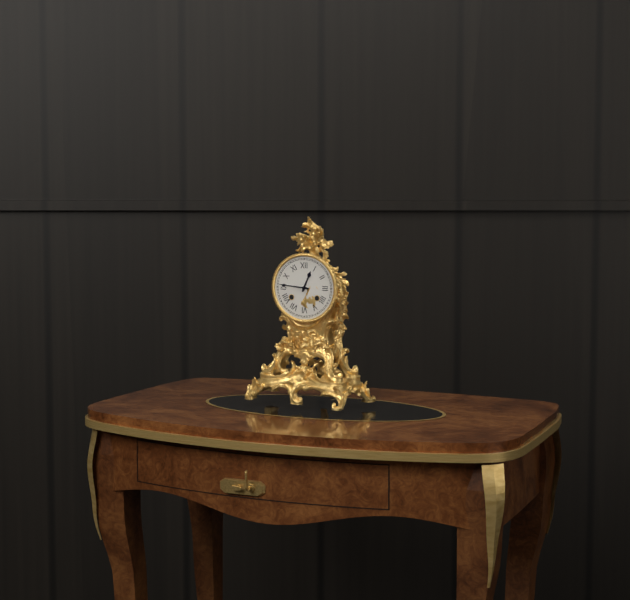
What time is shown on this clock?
12:46
